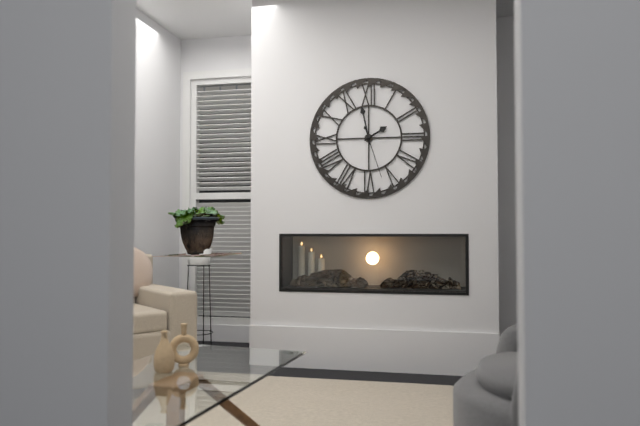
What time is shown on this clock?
1:58:27
